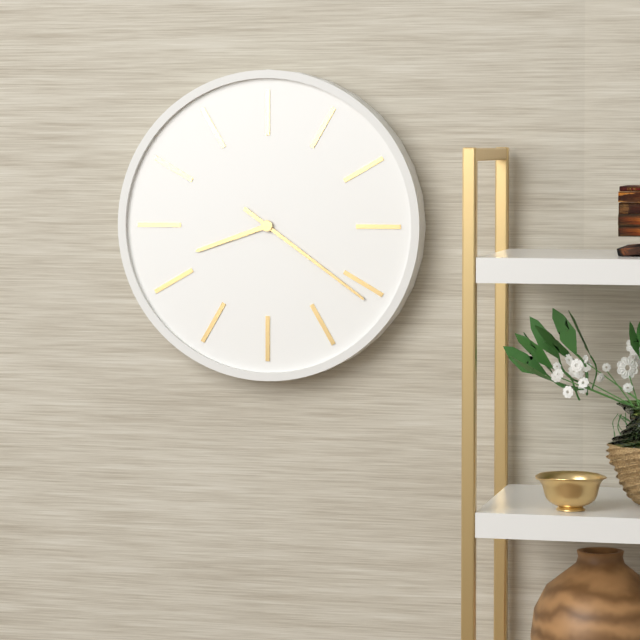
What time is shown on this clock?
8:21
